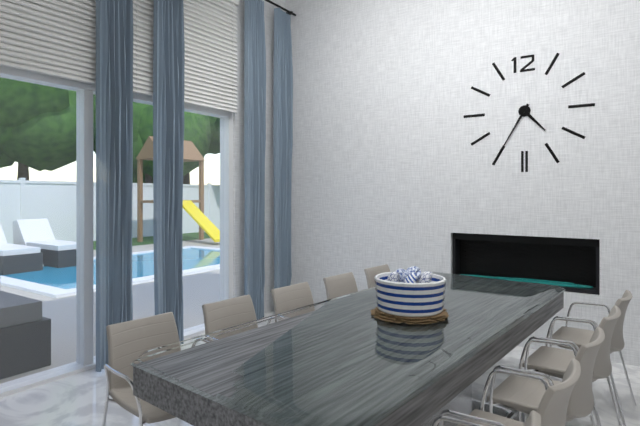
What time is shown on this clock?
4:35
